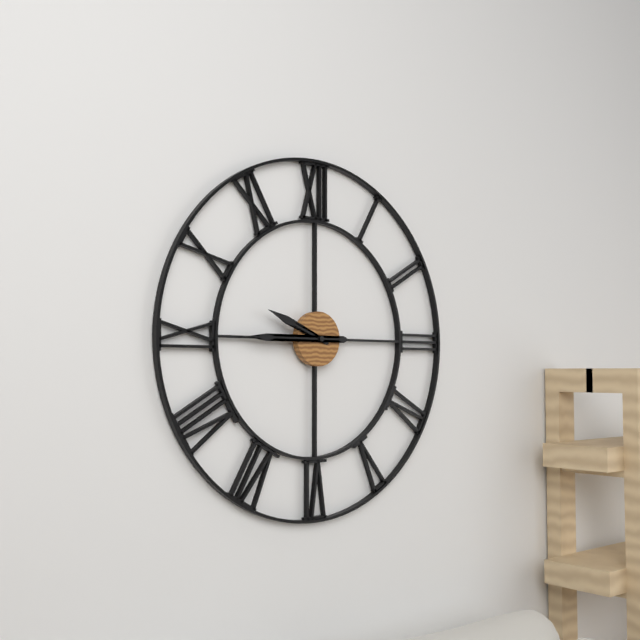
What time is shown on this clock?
9:45
